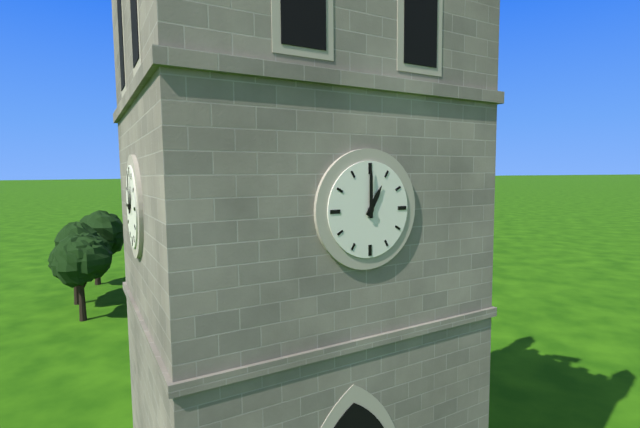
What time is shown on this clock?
1:00
